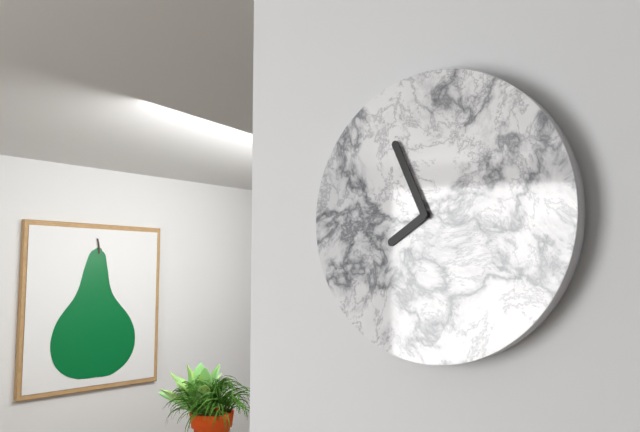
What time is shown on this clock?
7:56
